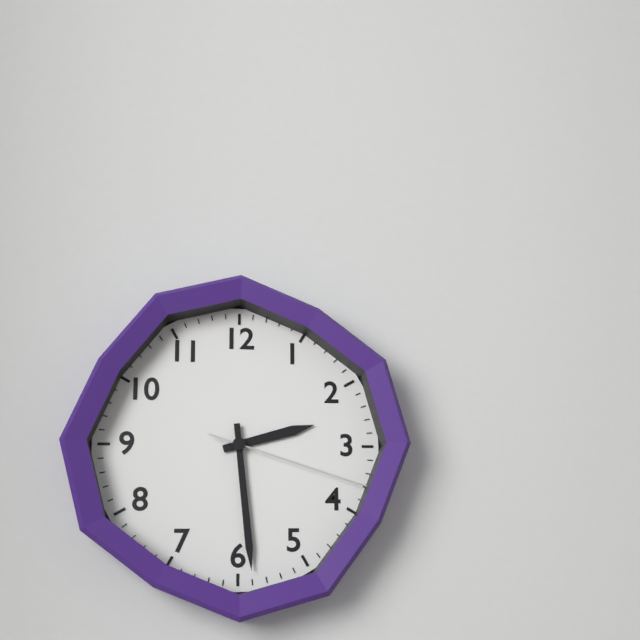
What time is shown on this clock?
2:29:18
